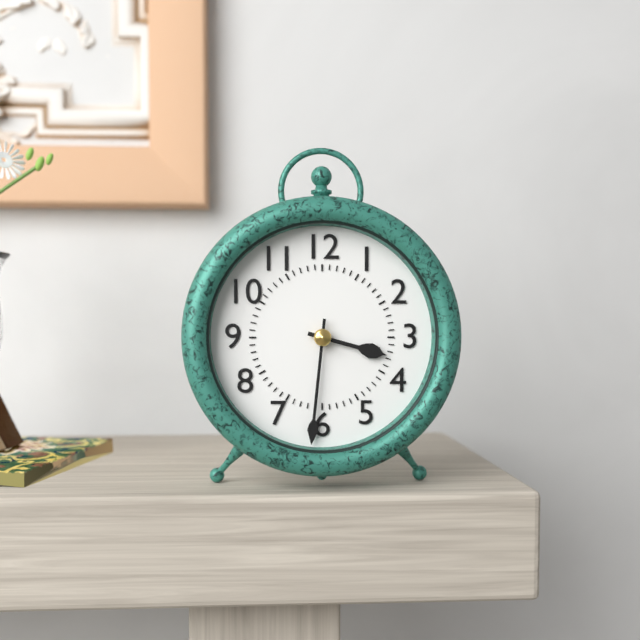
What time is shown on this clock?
3:31
